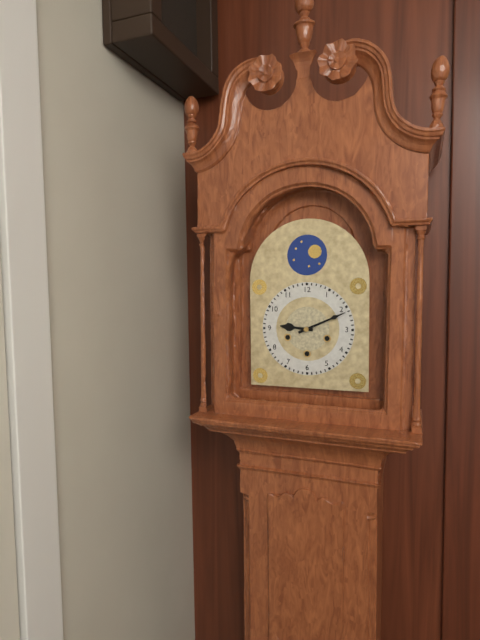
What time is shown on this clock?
9:11
